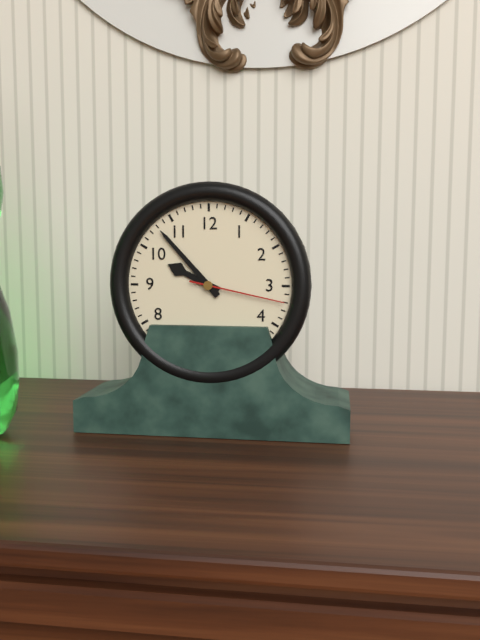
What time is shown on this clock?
9:53:17
